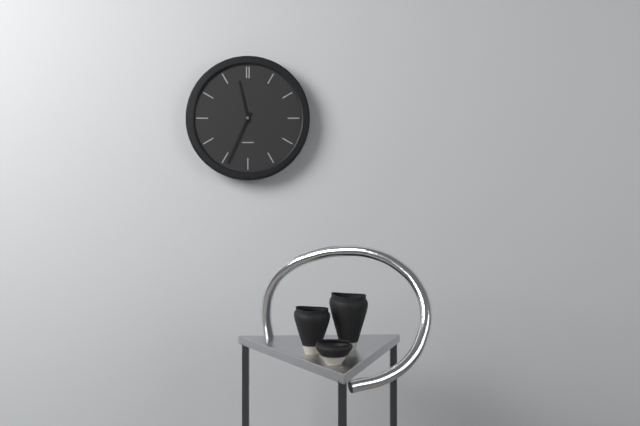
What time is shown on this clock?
11:34
